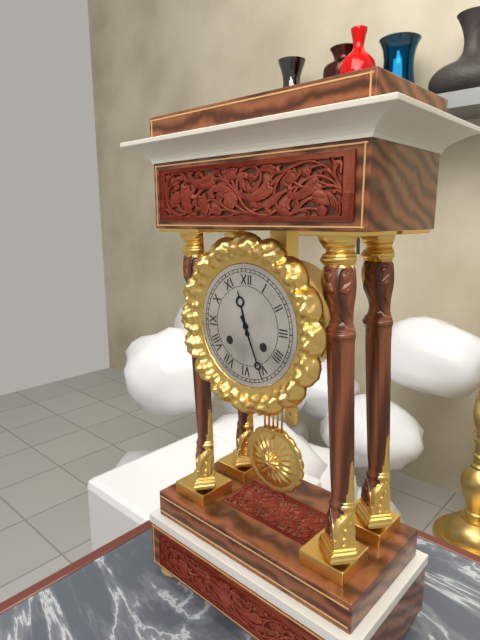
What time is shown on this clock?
11:26
